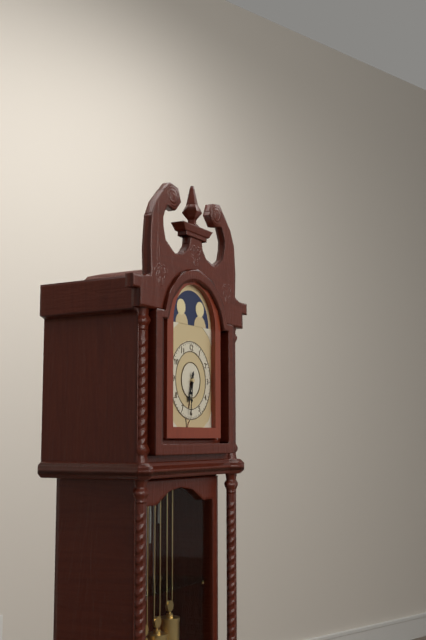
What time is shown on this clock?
6:31
